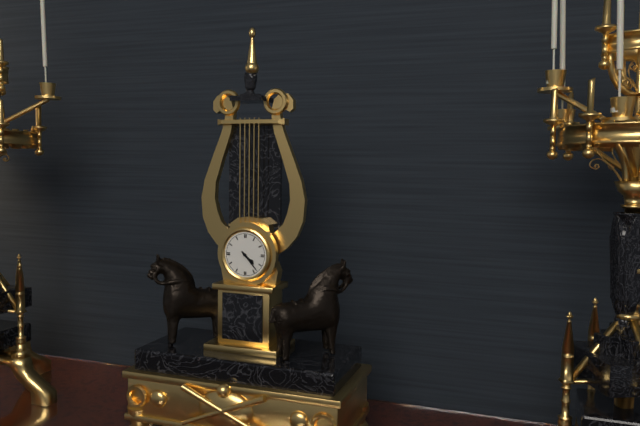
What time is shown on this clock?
4:23
